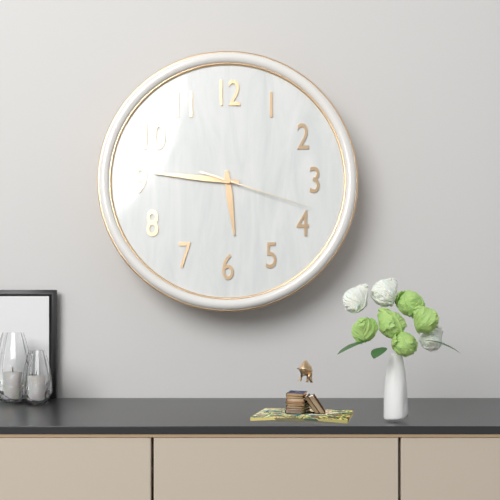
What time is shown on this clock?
5:46:18
